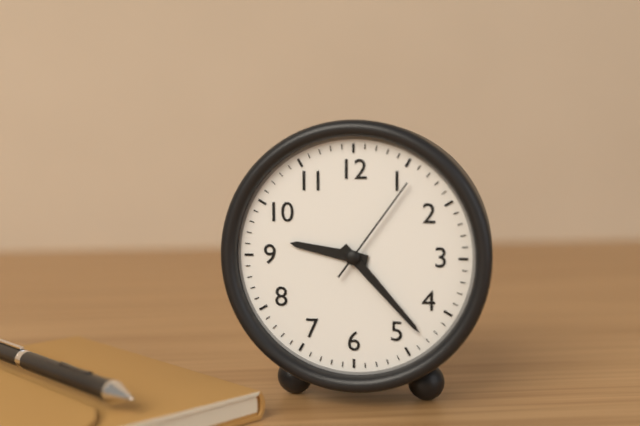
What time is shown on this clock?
9:23:06
